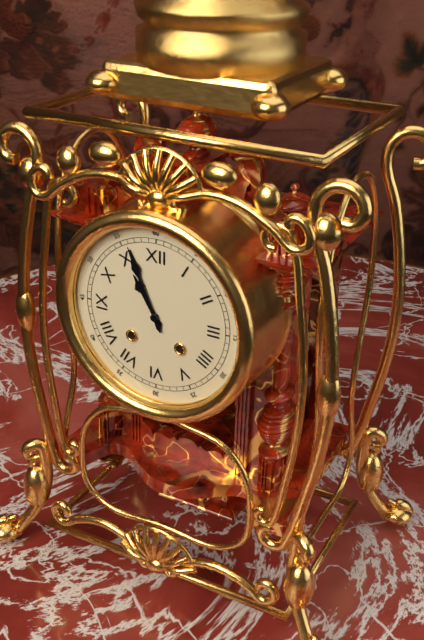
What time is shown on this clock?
10:56
